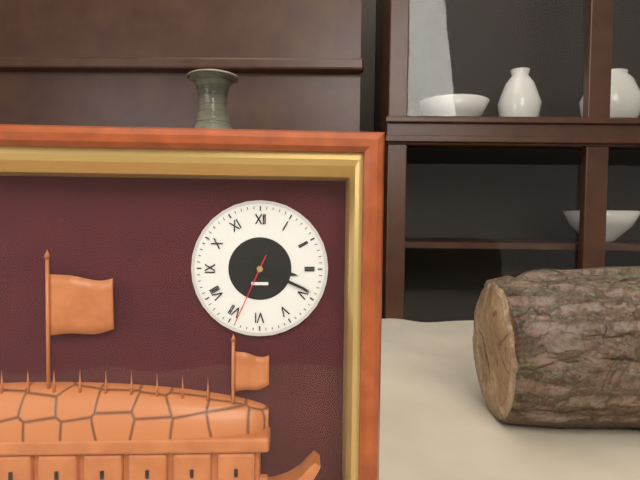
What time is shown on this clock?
3:19:34
